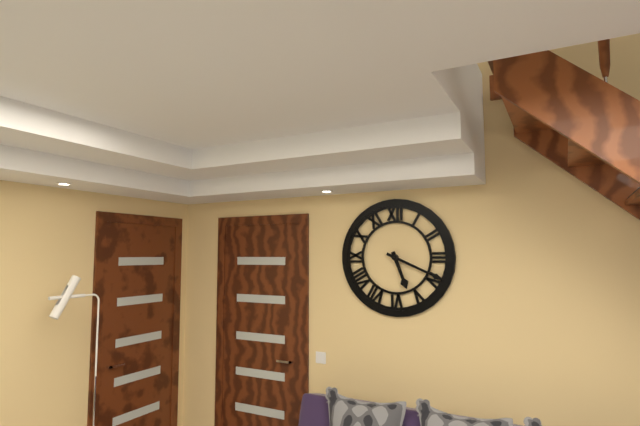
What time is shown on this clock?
5:19
